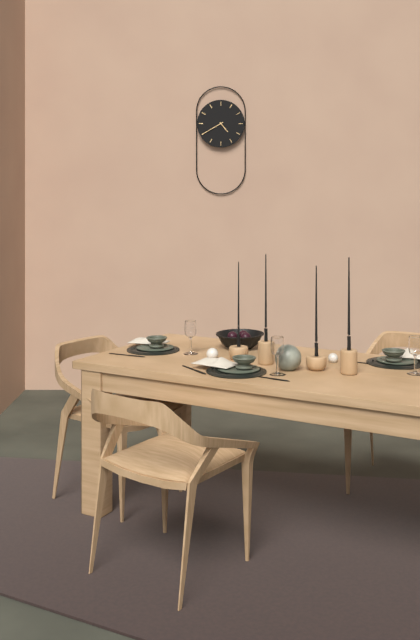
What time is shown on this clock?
4:40
